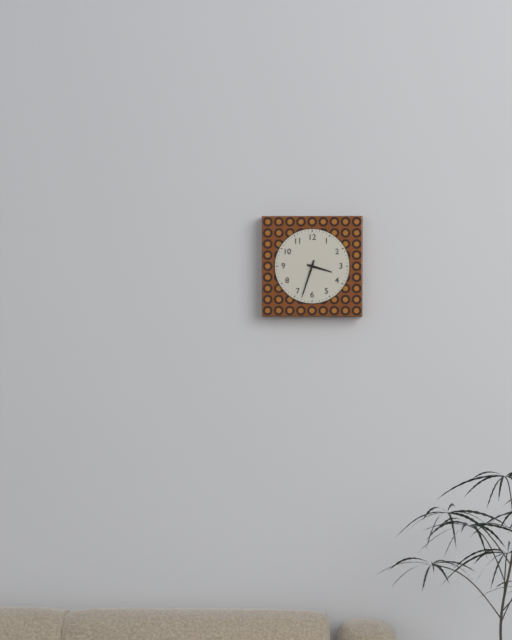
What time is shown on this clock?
3:33
